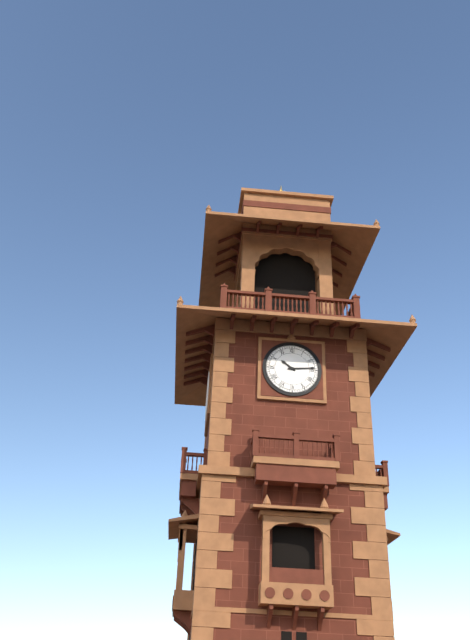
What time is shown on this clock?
10:14
